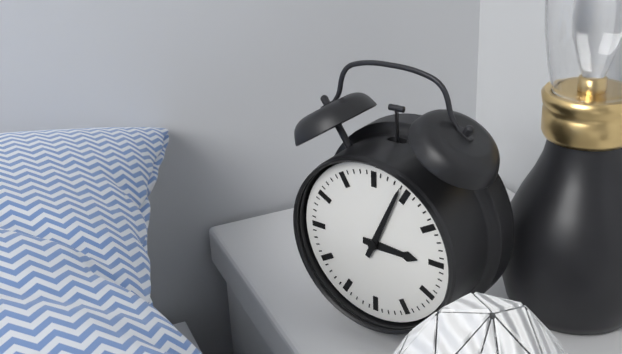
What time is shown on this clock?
3:04
